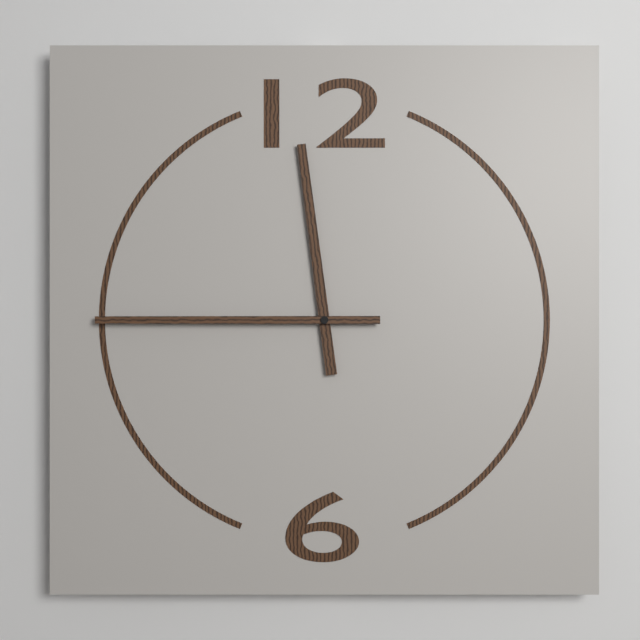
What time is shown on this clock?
11:45
